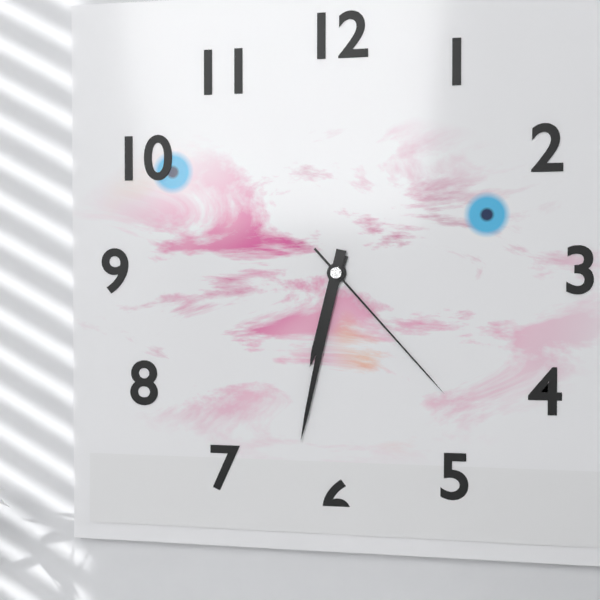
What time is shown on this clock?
6:32:23
